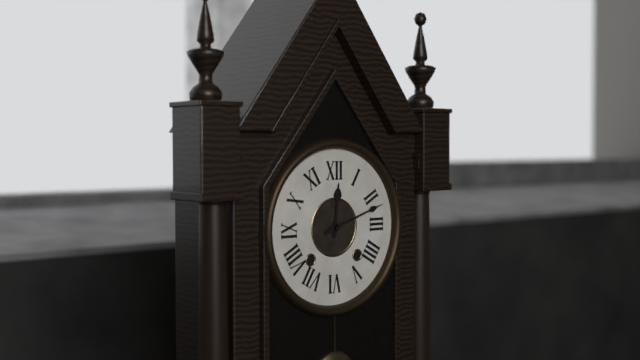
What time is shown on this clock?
12:12
